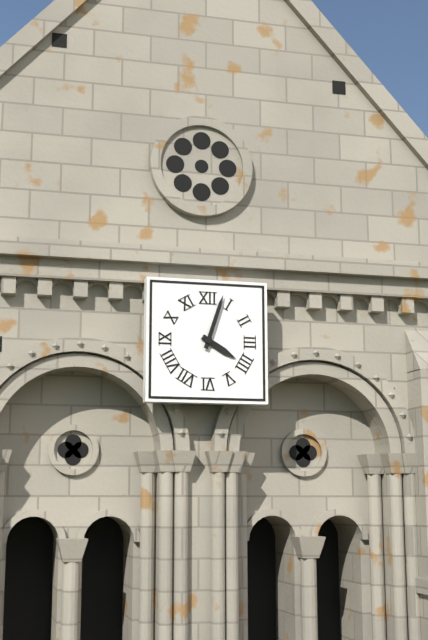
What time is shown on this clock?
4:03
